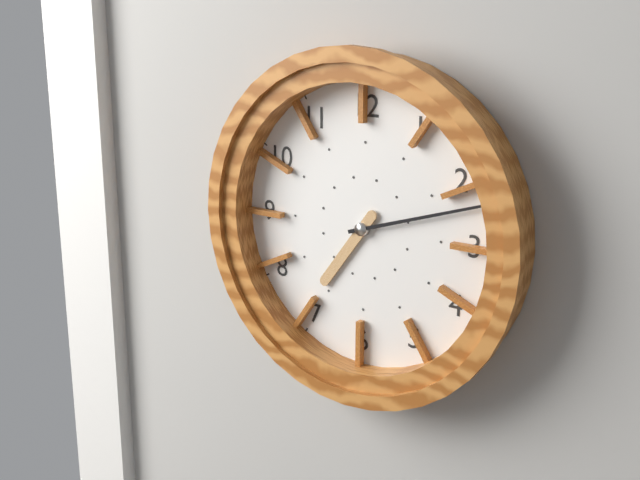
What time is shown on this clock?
7:12
